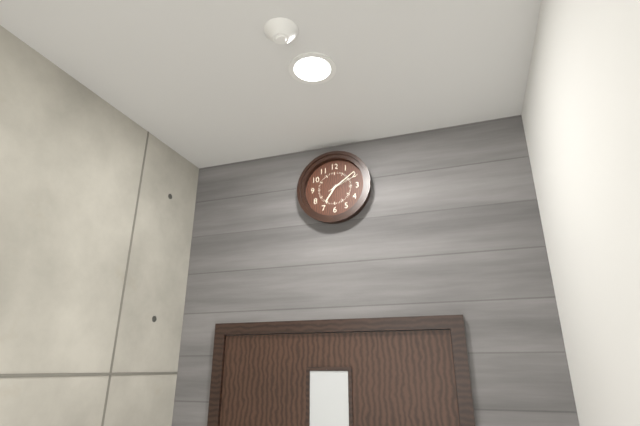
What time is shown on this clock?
7:09
